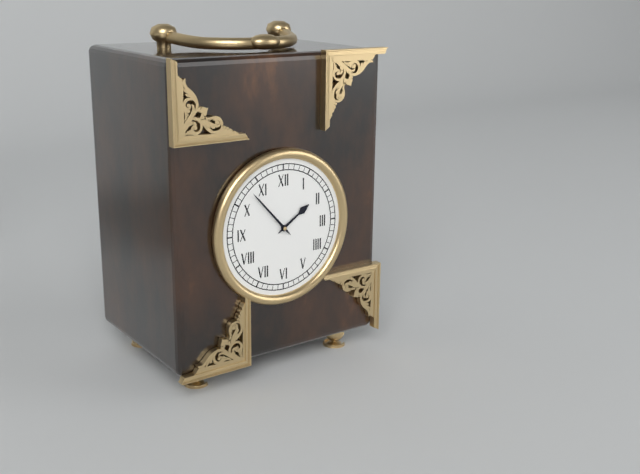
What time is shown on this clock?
1:53
